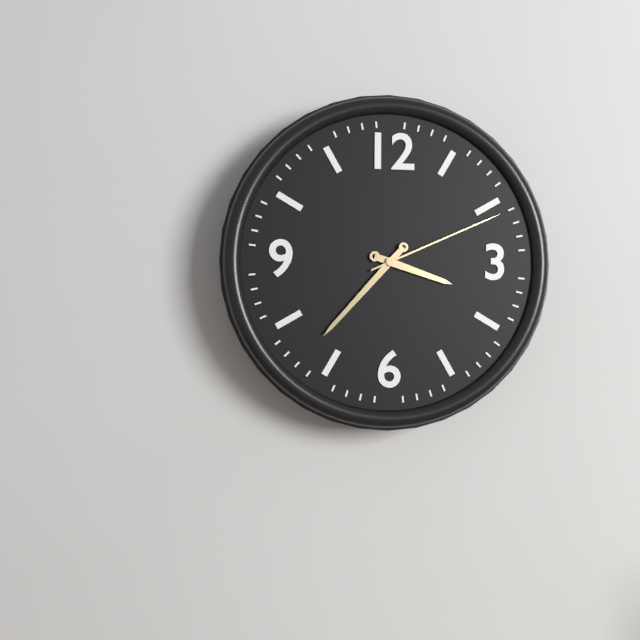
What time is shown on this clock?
3:37:11
